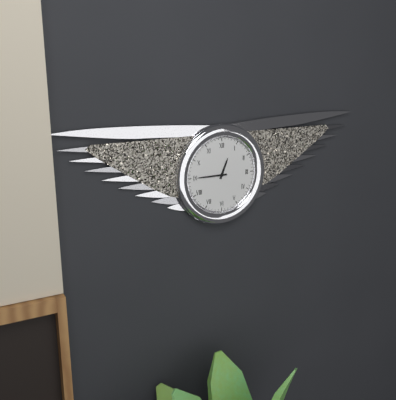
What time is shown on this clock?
12:45
